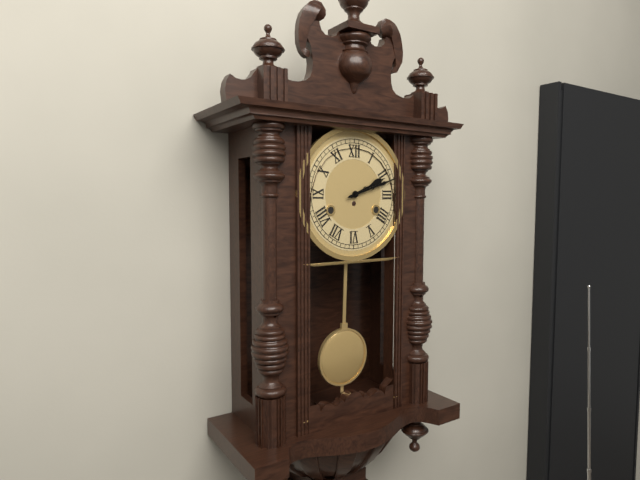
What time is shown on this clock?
2:12
